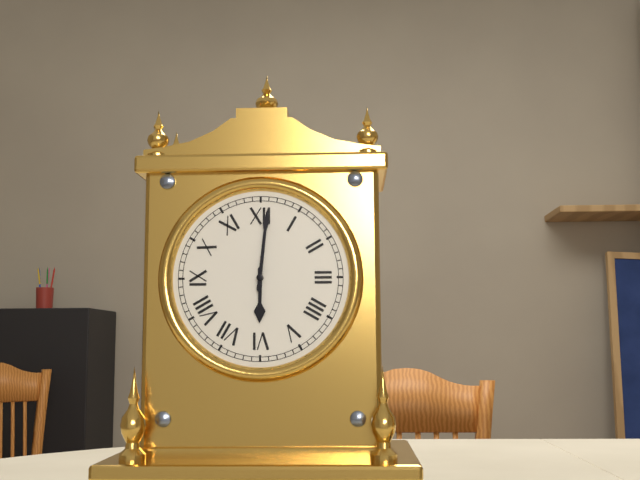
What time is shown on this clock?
6:01
